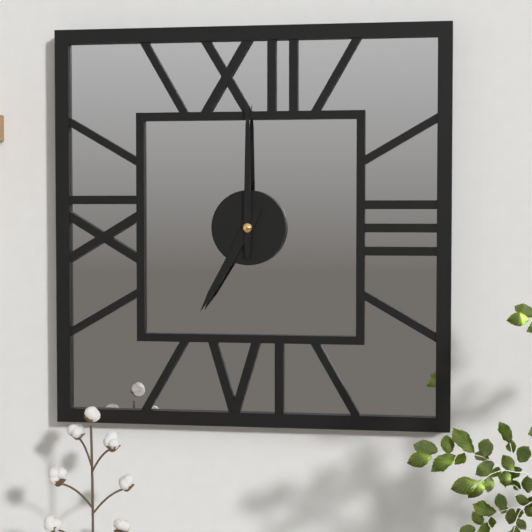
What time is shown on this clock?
7:00
